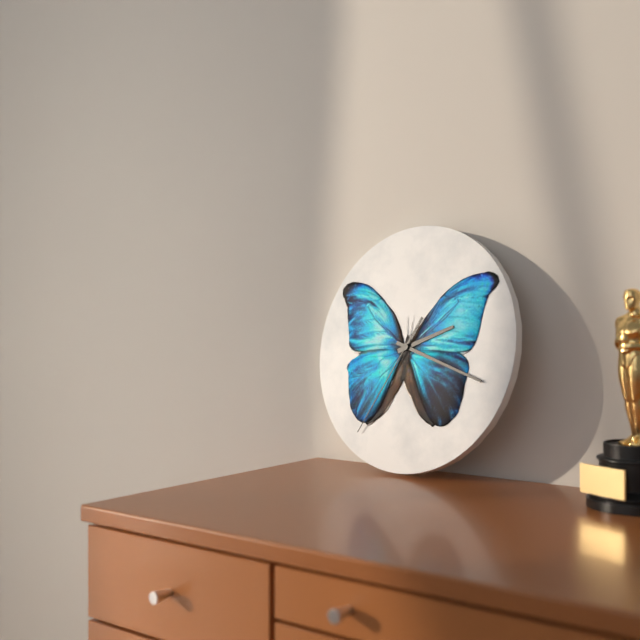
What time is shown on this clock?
2:18:35
